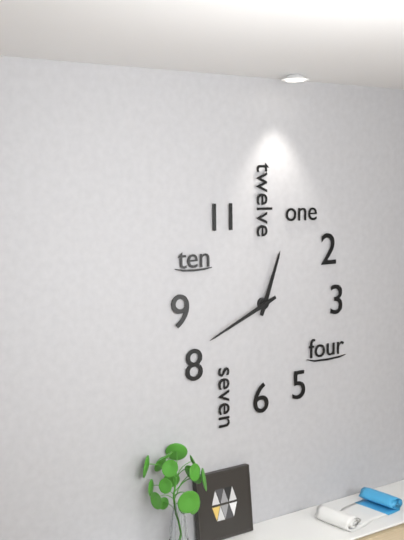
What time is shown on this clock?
12:41
